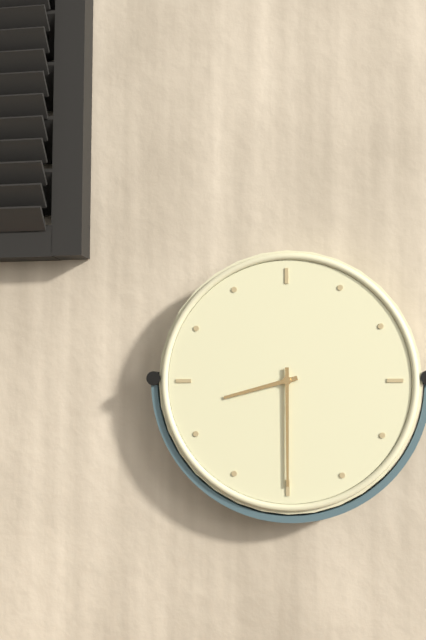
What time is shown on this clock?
8:30
